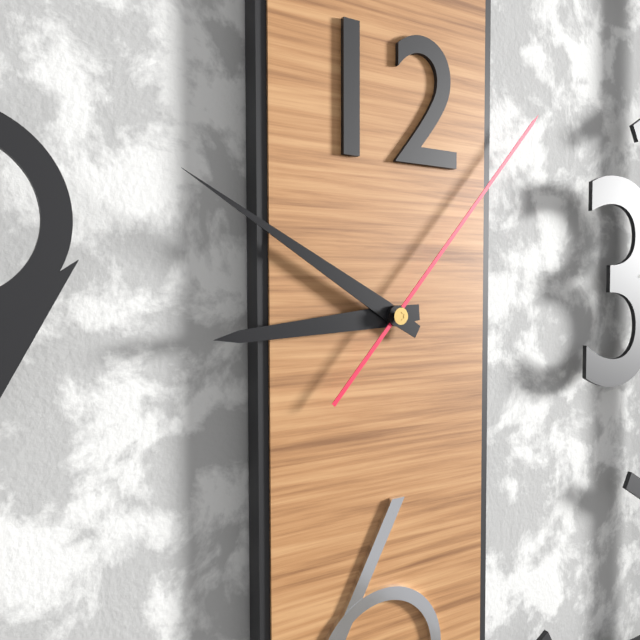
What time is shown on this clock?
8:50:07
